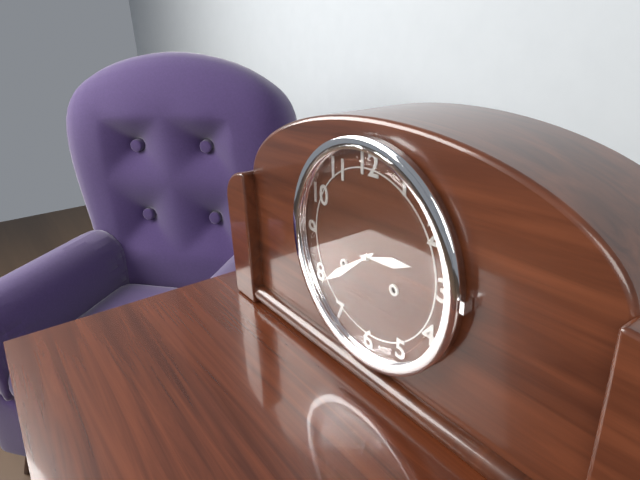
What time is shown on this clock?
2:39
